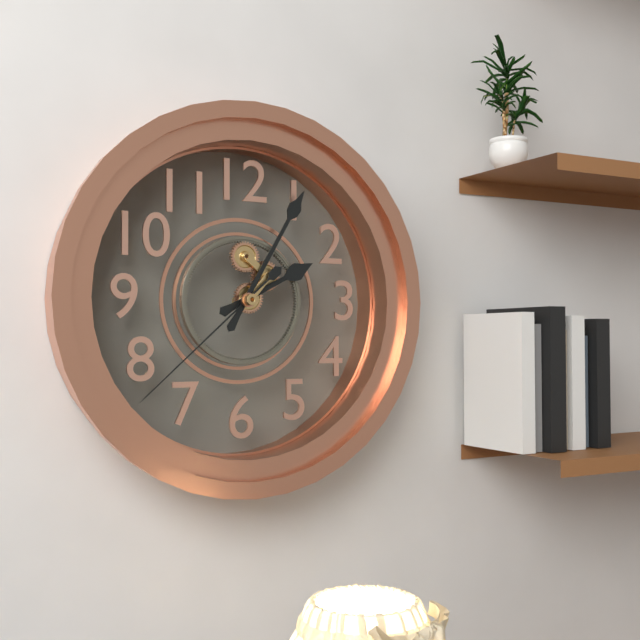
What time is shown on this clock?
2:05:38
